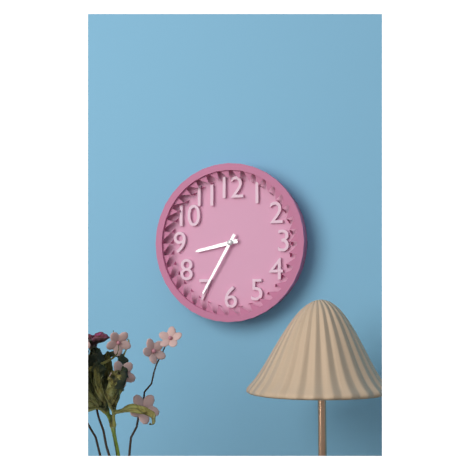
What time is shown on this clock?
8:35
